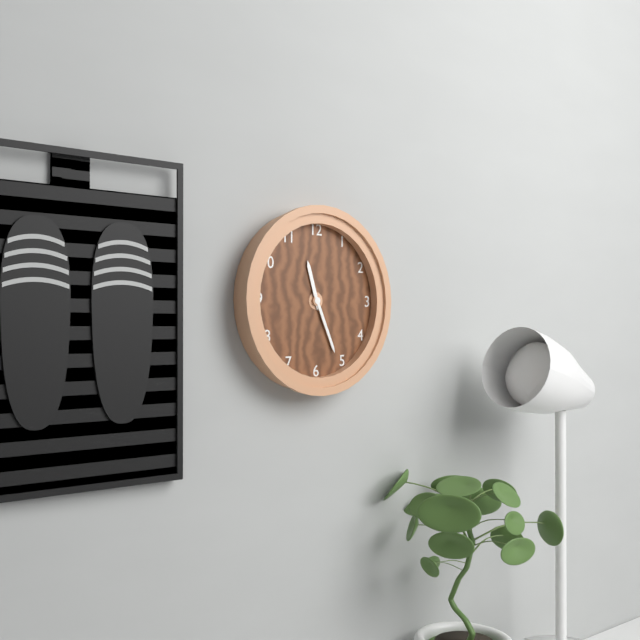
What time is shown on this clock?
11:26
